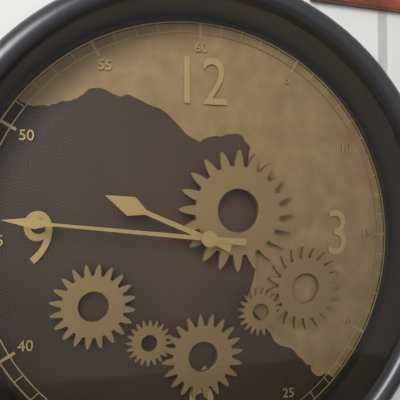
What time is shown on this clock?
9:46
